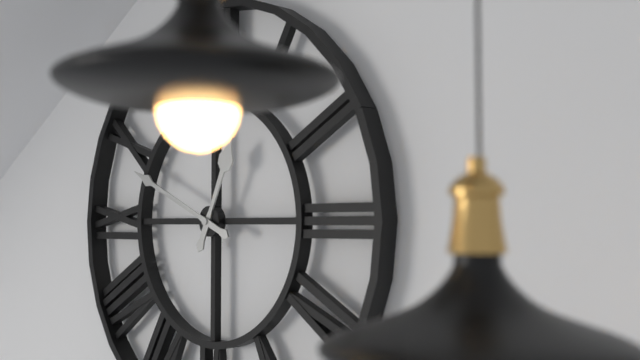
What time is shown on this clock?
12:49
